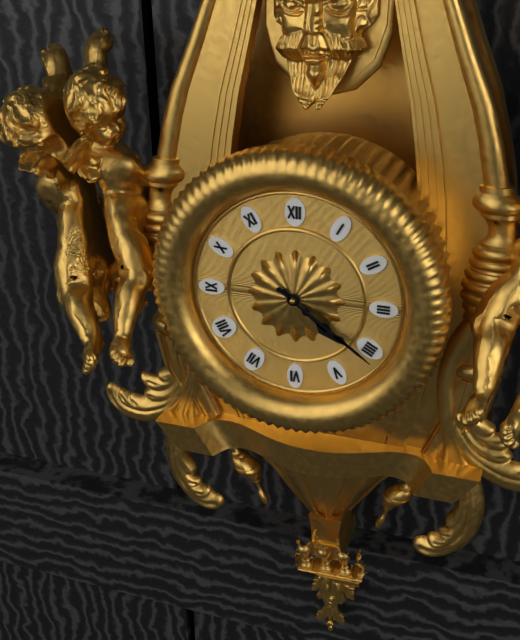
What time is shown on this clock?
4:21
